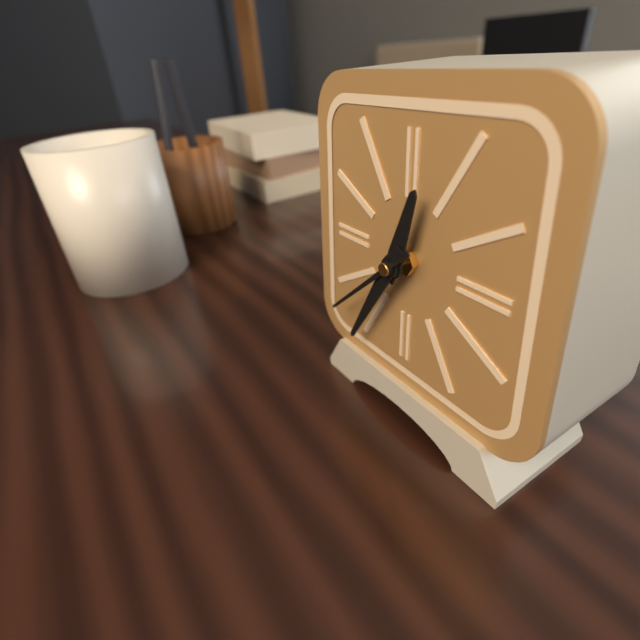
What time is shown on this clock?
12:35:38
